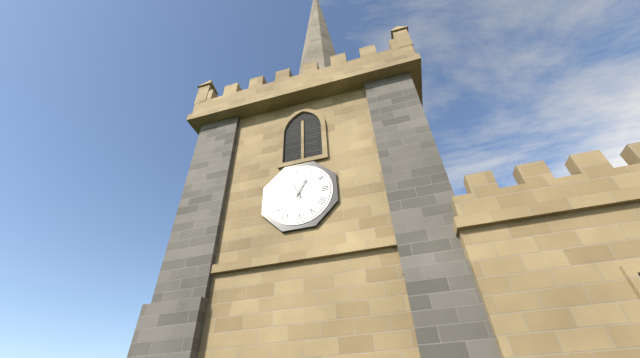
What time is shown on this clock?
12:56
